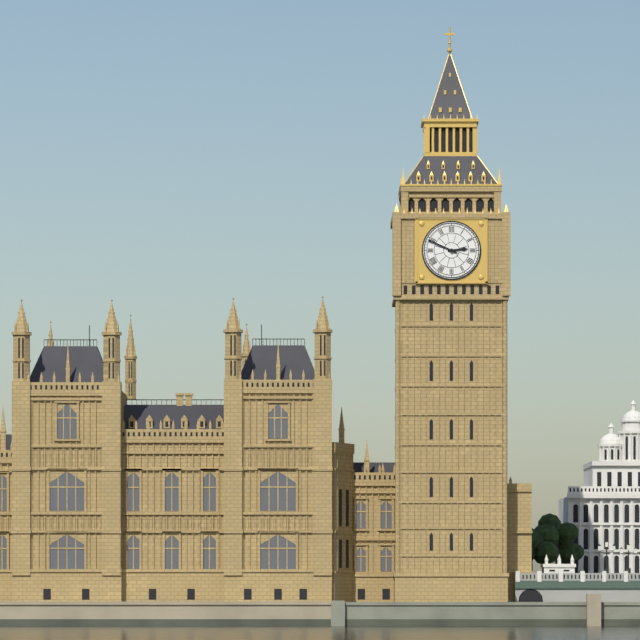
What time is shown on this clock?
2:49
